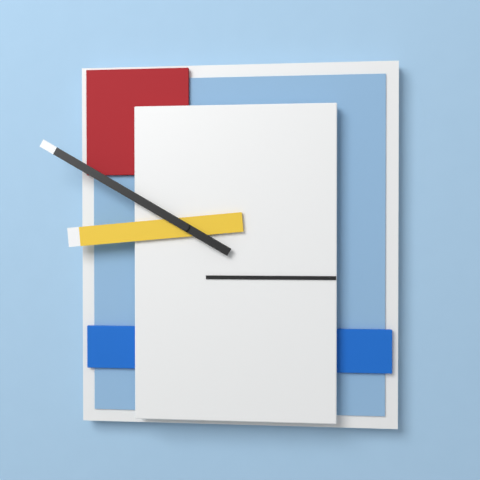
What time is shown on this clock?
8:50
